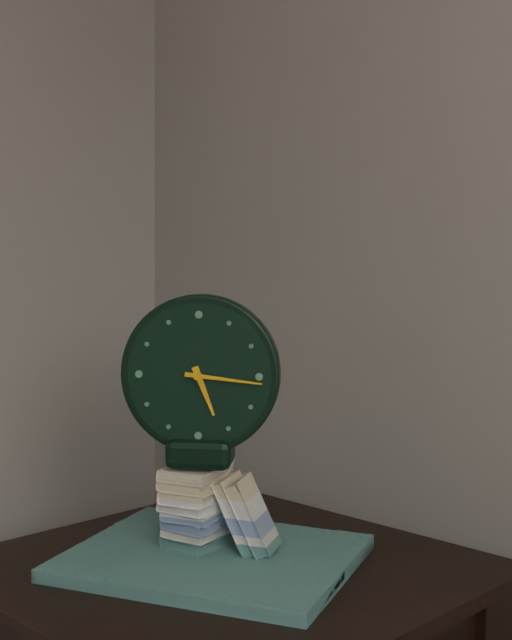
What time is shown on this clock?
5:16
